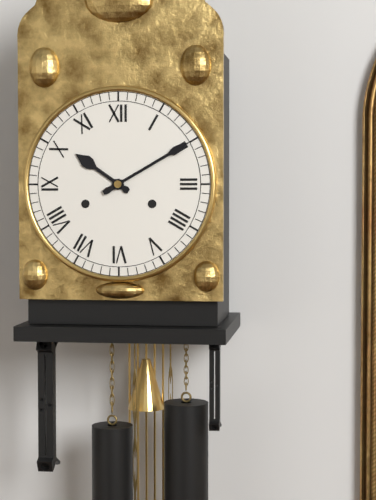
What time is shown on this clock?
10:10
